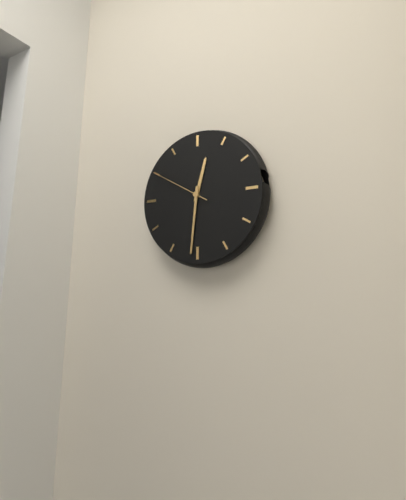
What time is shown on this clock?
12:31:50
